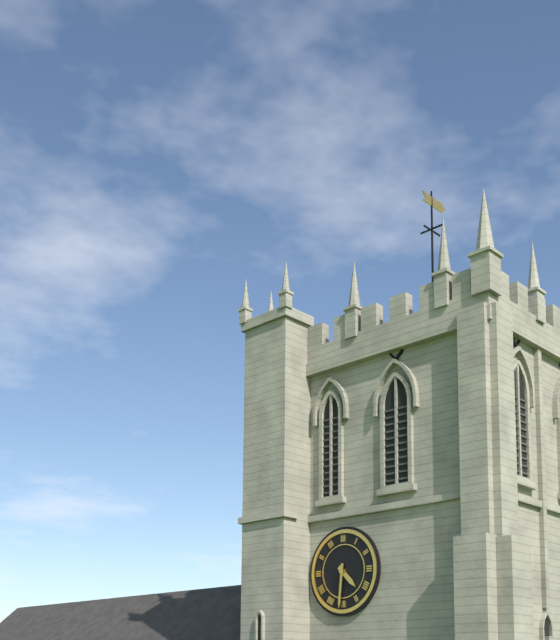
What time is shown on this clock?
4:31
